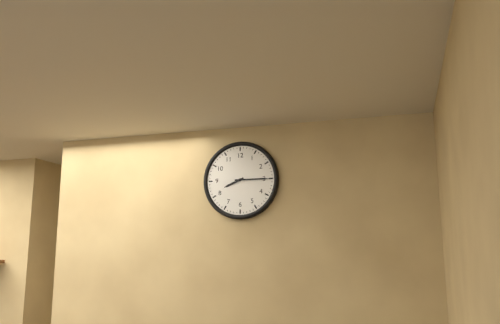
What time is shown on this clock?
8:15
